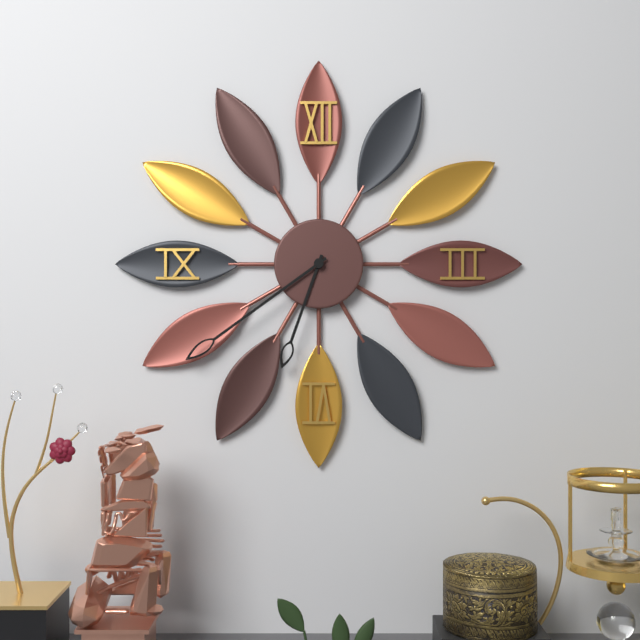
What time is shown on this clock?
6:39
